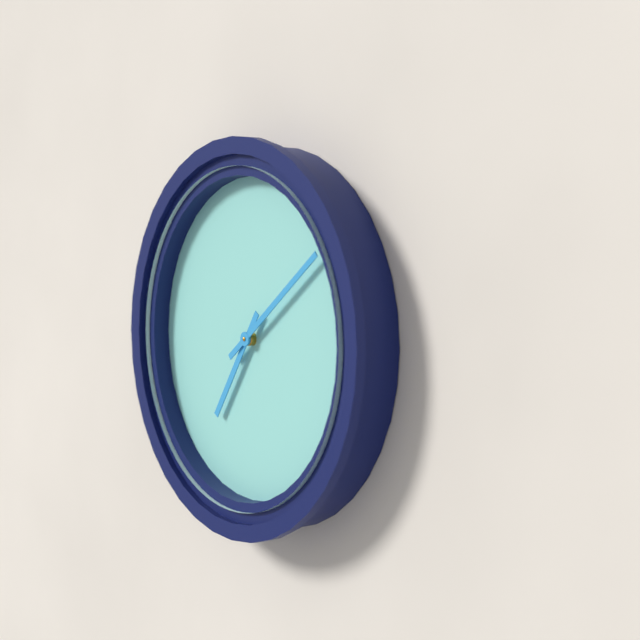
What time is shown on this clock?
7:09
